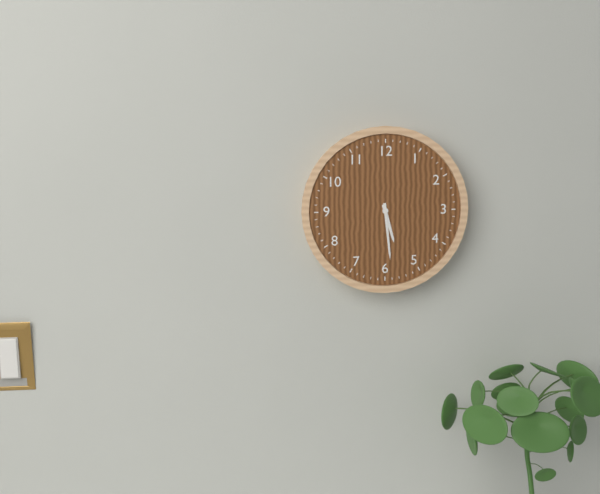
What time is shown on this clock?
5:29
